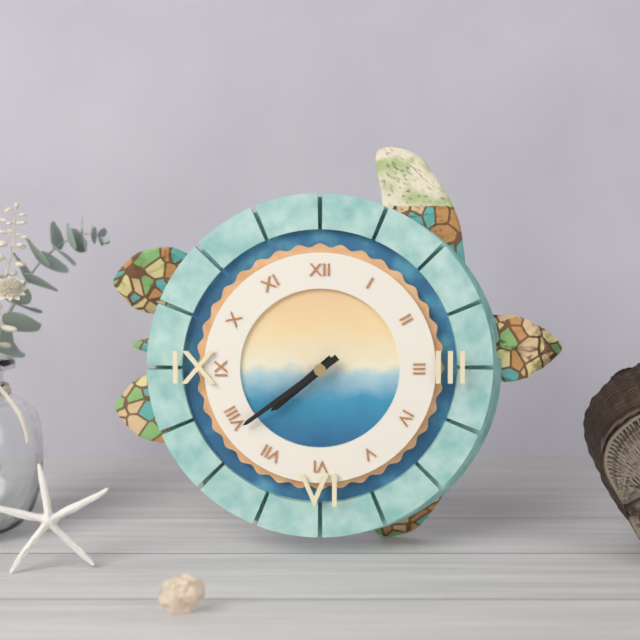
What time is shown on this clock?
7:39
